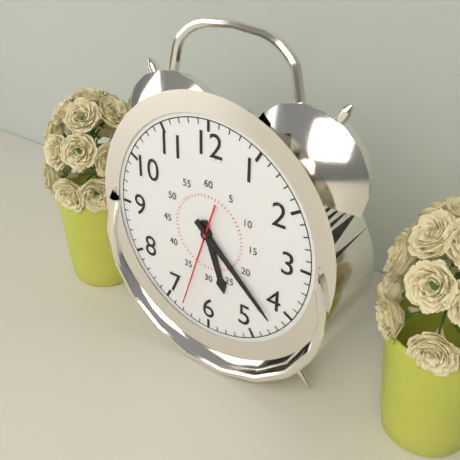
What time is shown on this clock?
5:22:33
